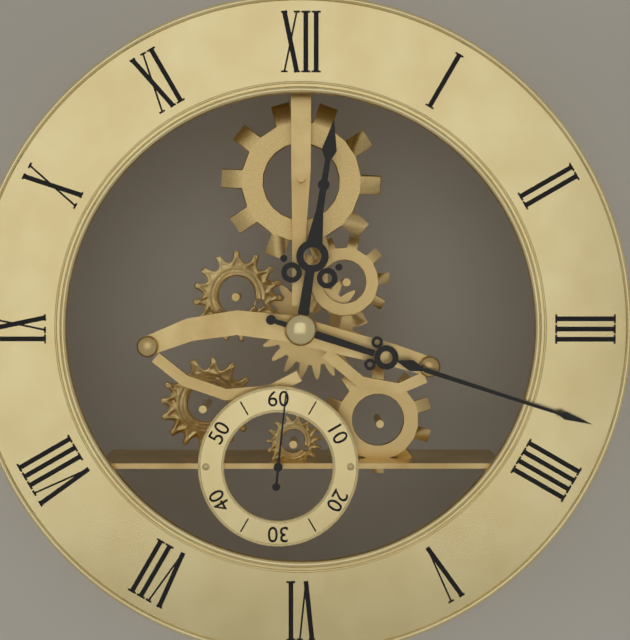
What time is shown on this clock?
12:18:01
